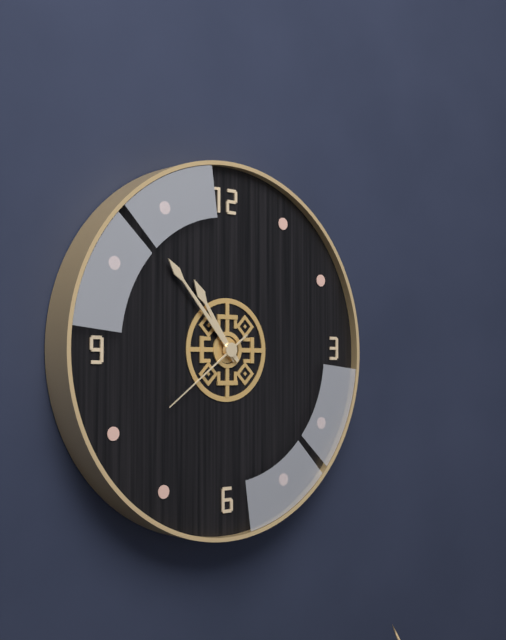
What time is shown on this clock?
10:53:39
